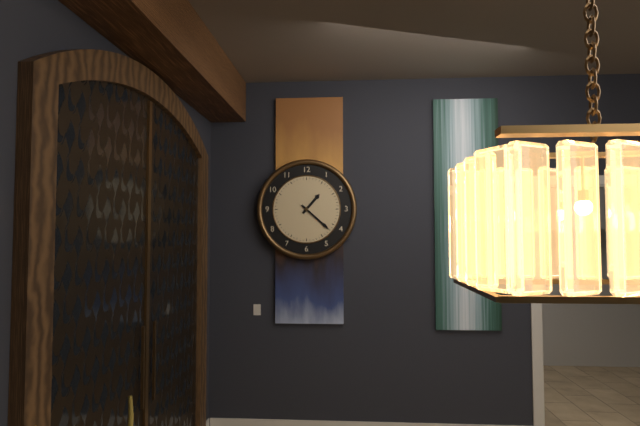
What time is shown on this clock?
1:22
